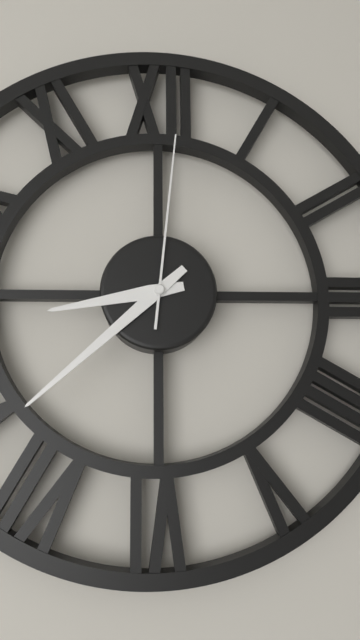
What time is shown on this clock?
8:38:01
